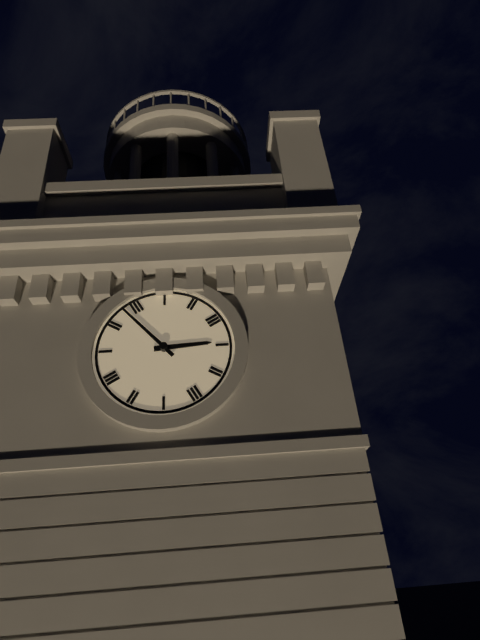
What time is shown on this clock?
2:53
